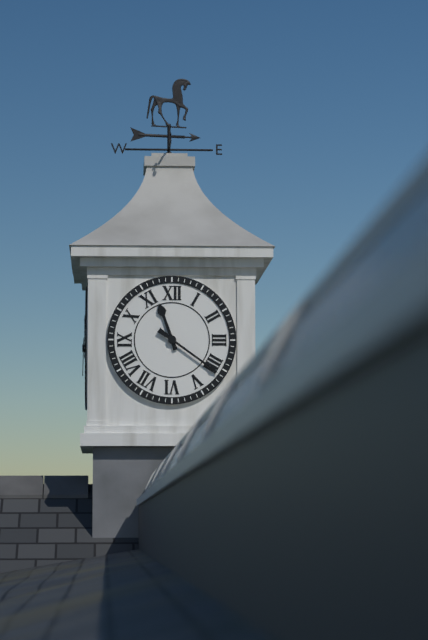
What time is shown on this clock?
11:21
